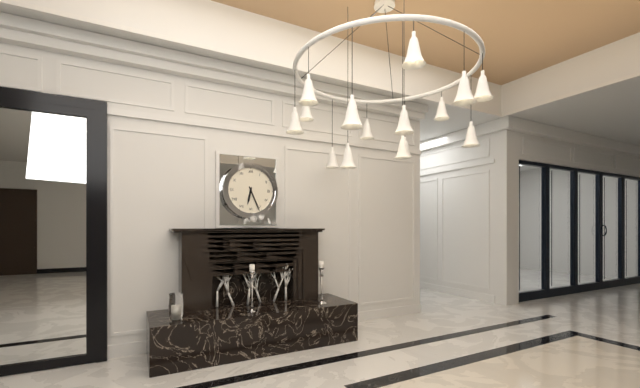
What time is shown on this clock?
6:26
